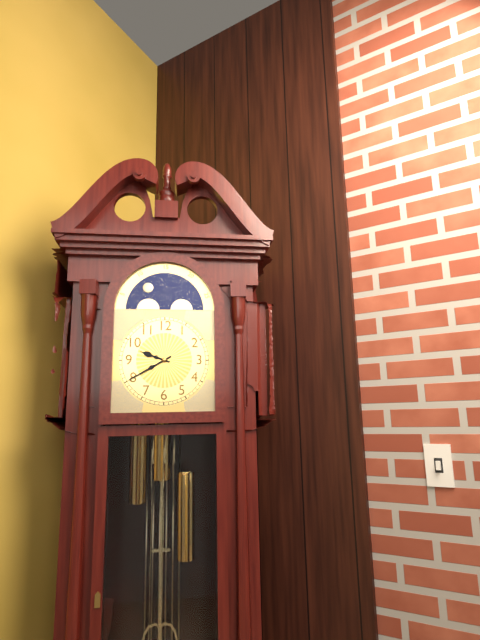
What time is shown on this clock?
9:40
